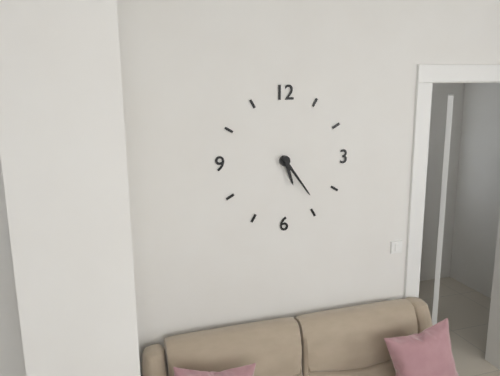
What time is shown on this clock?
5:24
